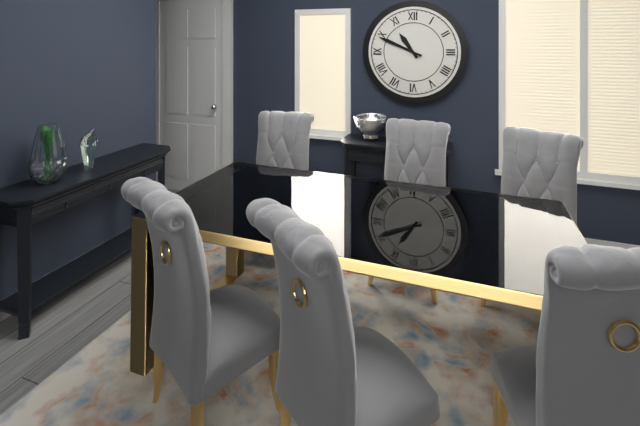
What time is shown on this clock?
10:49
